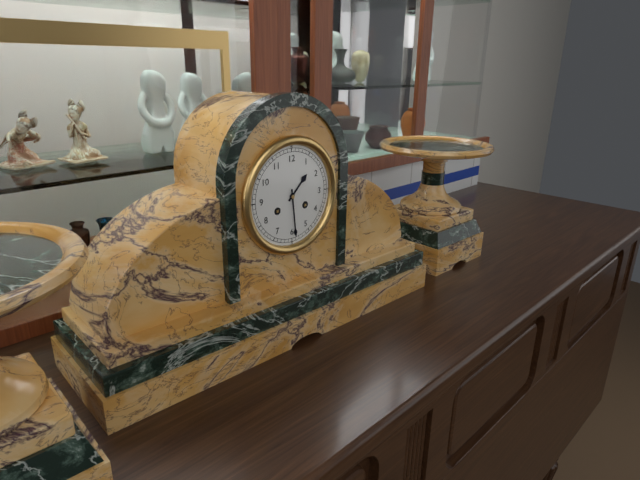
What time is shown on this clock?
1:29
